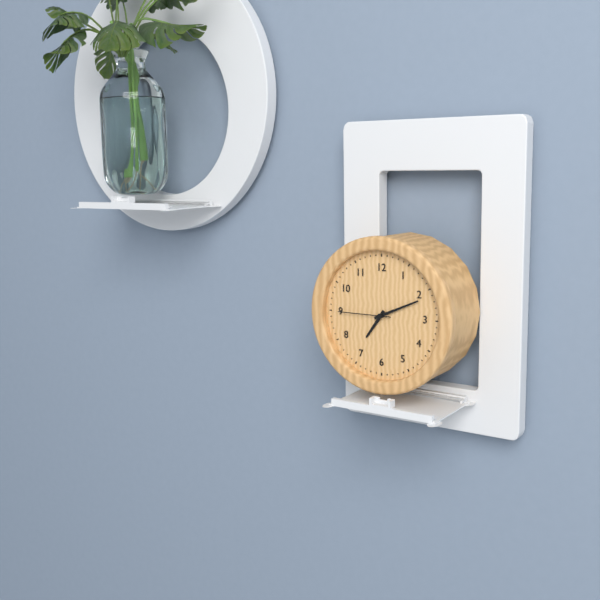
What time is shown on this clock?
7:11:45
